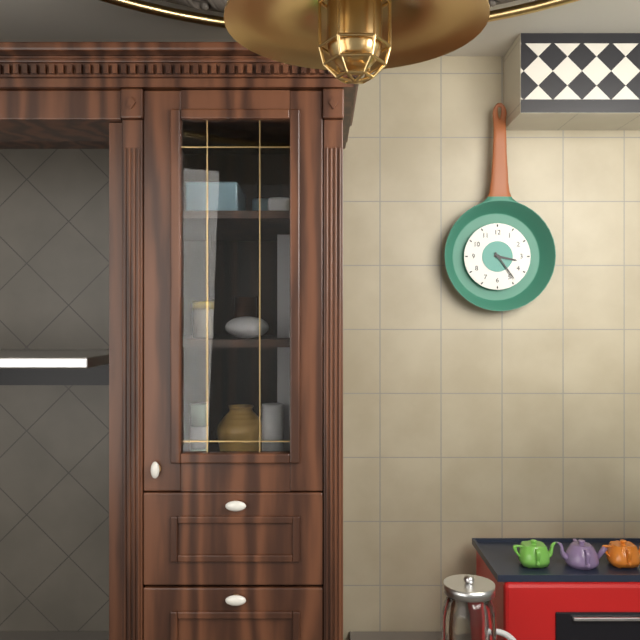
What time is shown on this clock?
3:24
